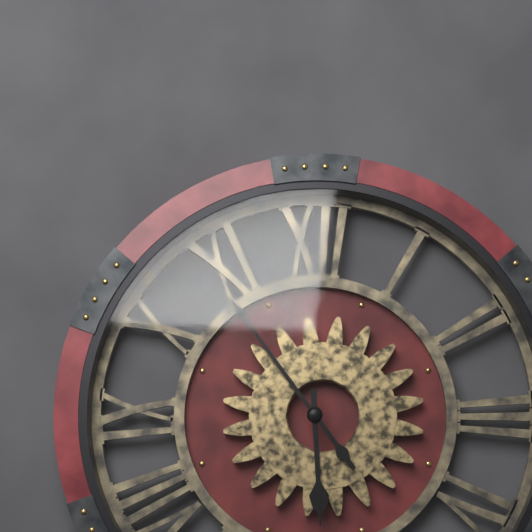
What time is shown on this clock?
5:54
